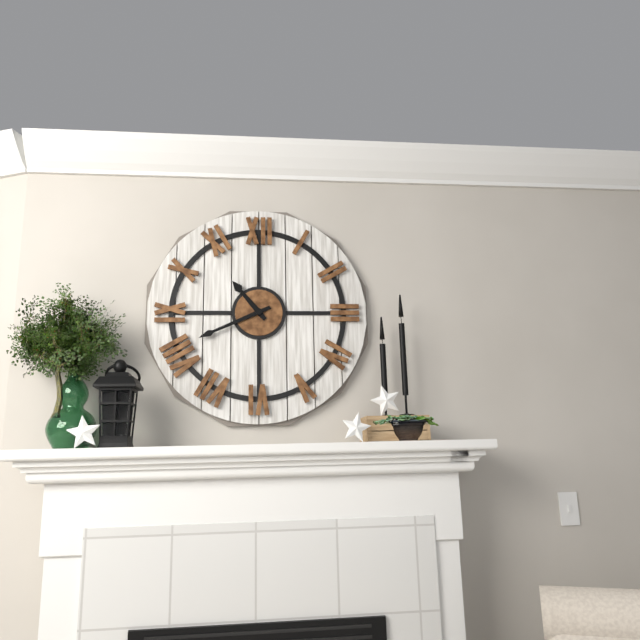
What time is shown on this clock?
10:41
